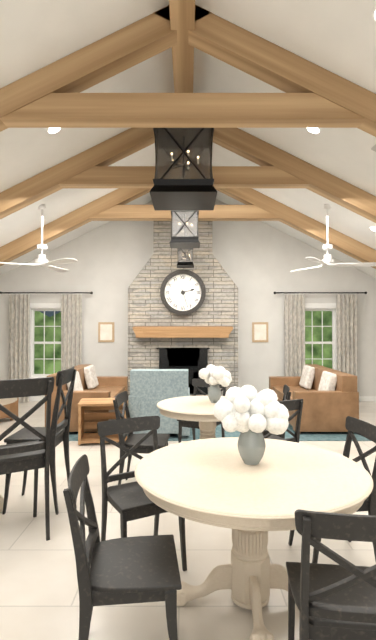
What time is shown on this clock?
2:27
